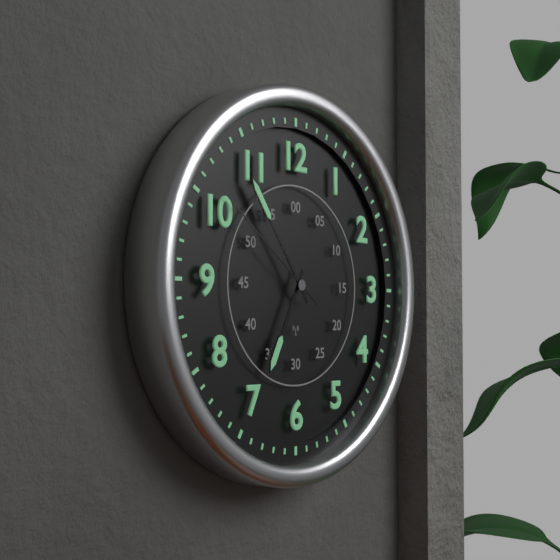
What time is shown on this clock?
6:54:51
